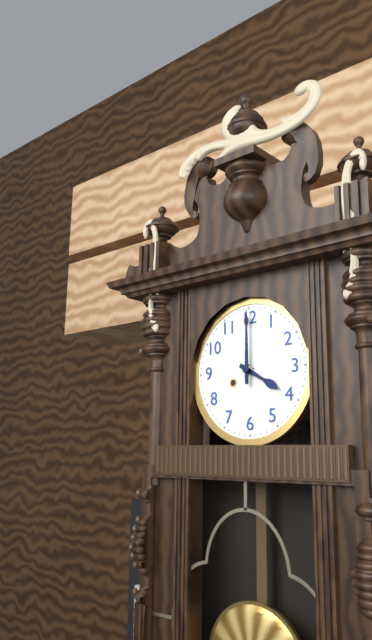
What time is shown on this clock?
4:00
